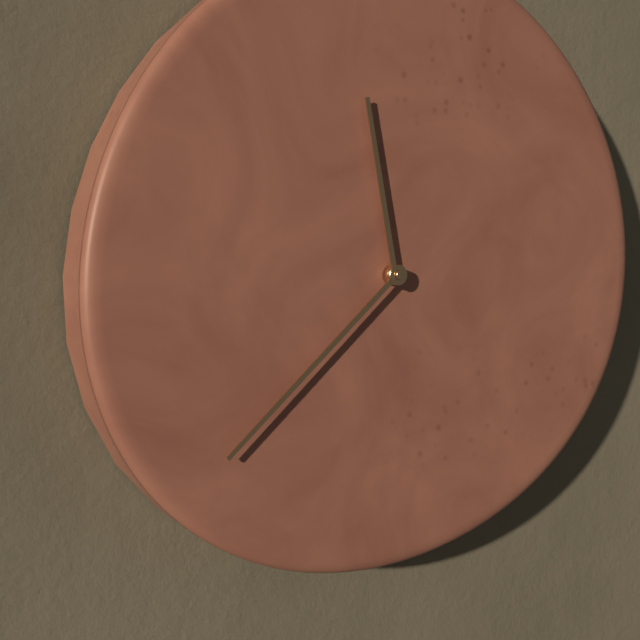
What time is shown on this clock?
11:38
